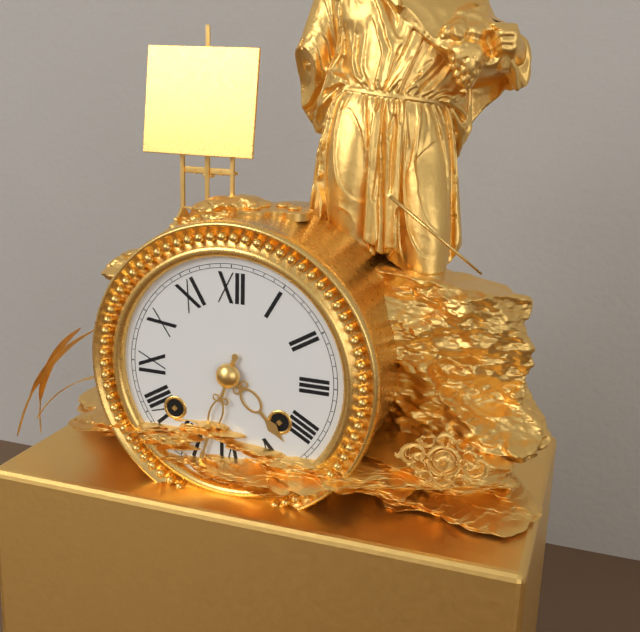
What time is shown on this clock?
4:33
